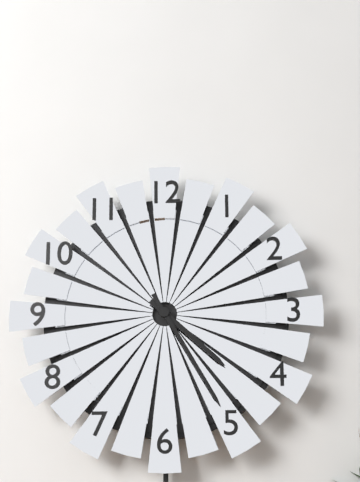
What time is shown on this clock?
4:25
